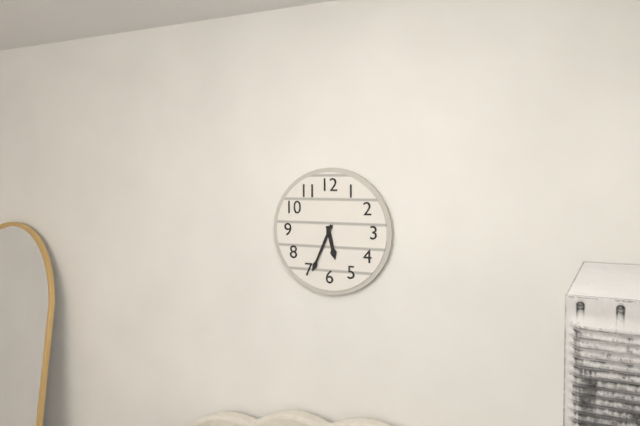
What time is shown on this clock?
5:34
